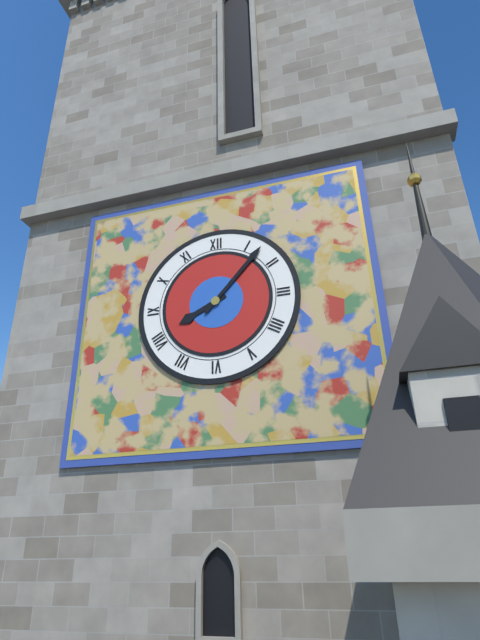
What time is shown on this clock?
8:07
